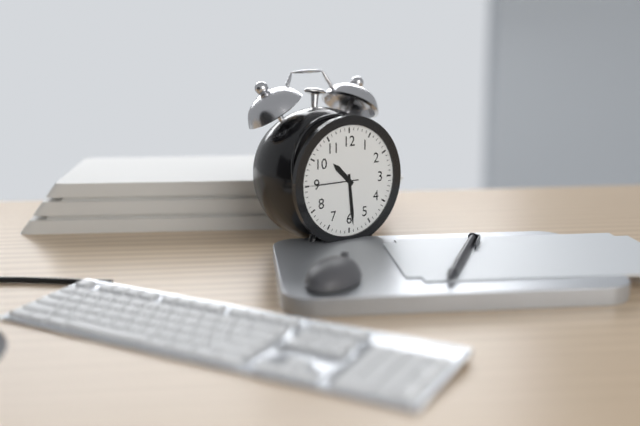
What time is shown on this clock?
10:29:45
